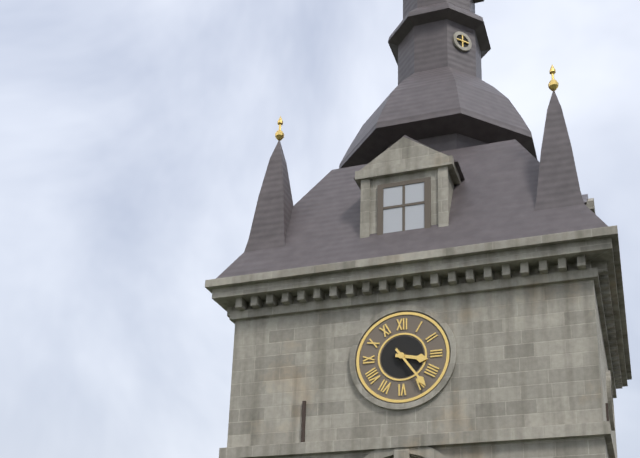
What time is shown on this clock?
3:24
